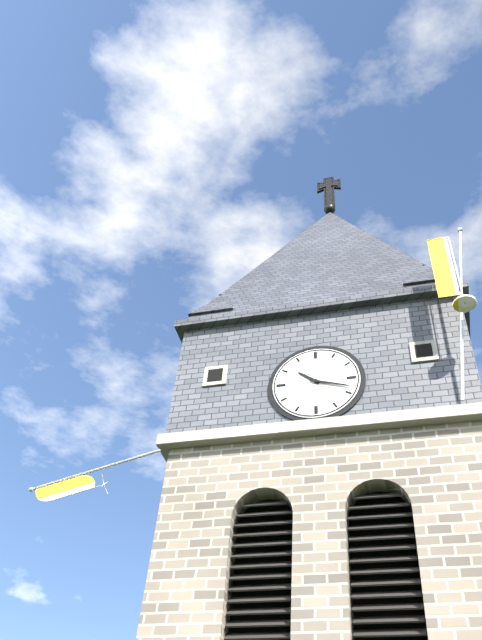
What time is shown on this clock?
10:18
